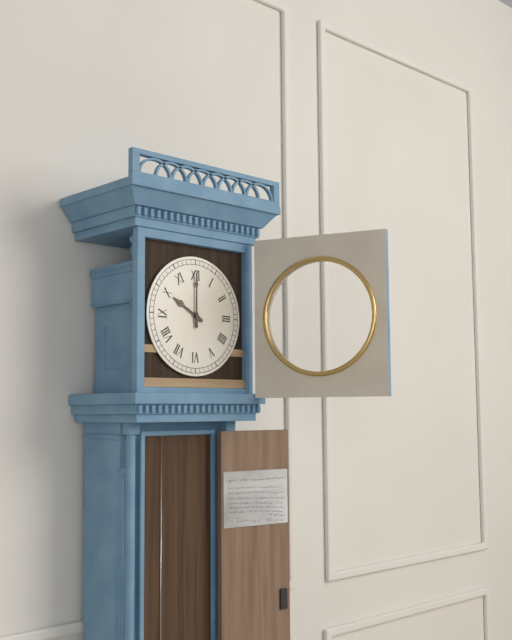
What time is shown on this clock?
10:00
